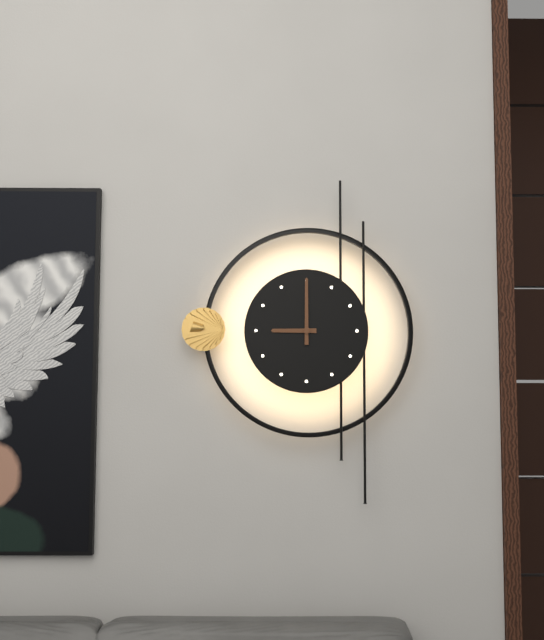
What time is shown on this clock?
9:00
